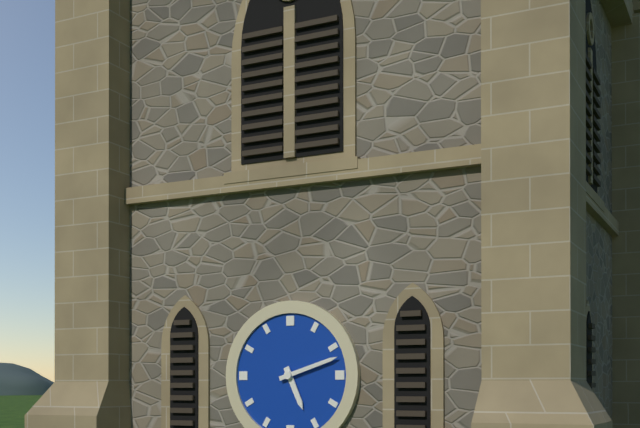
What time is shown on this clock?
5:12
